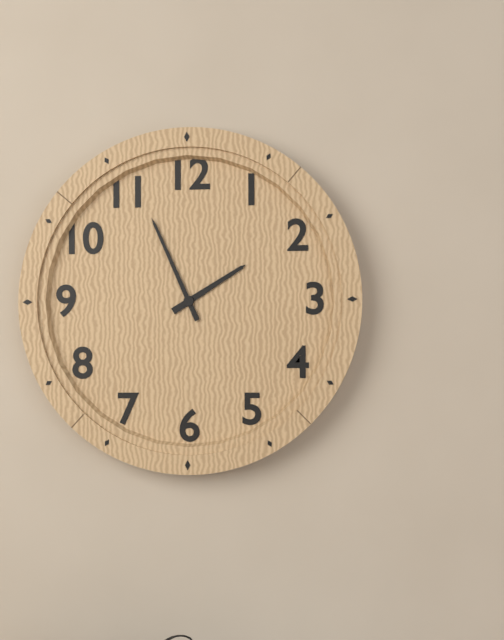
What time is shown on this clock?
1:56
